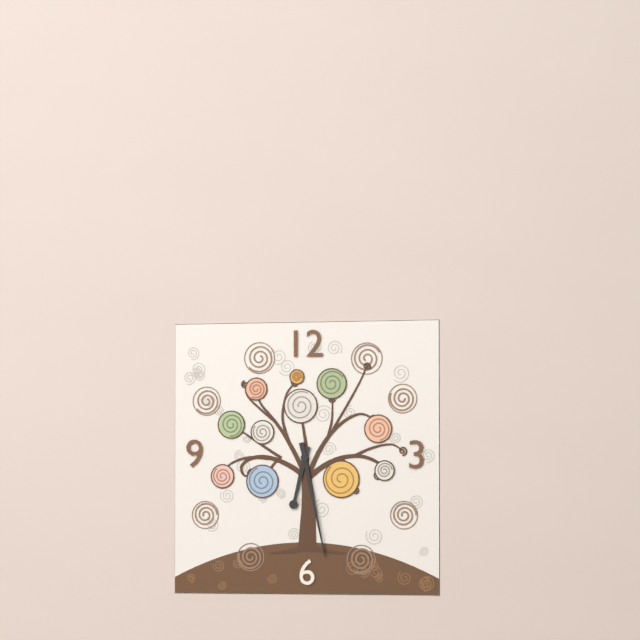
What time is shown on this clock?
6:28
